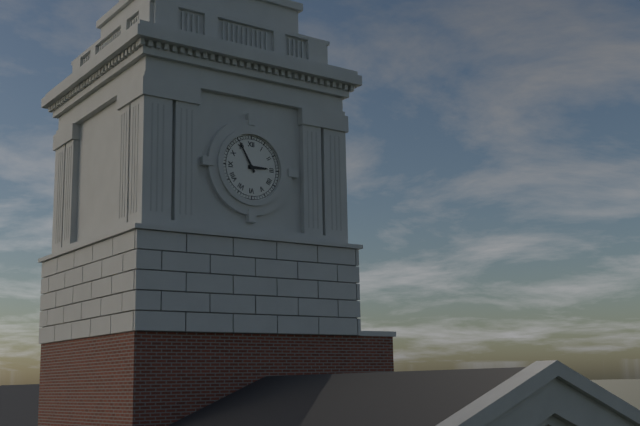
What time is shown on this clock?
2:55
